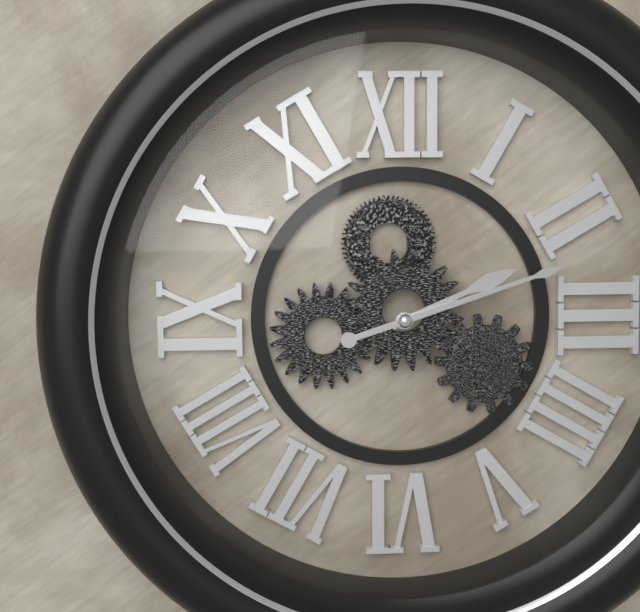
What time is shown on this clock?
2:12
